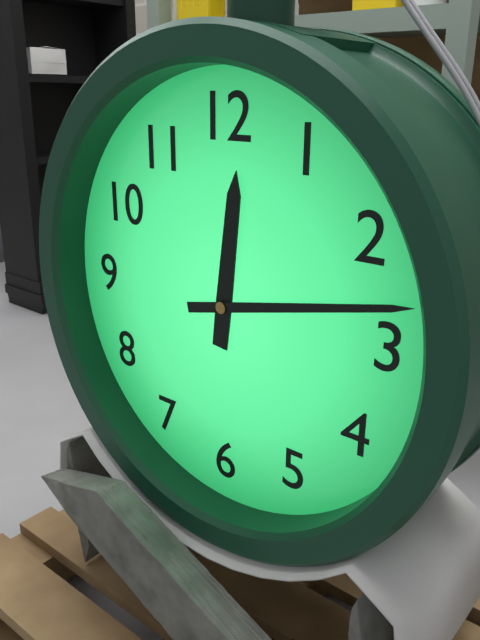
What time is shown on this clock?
12:13
